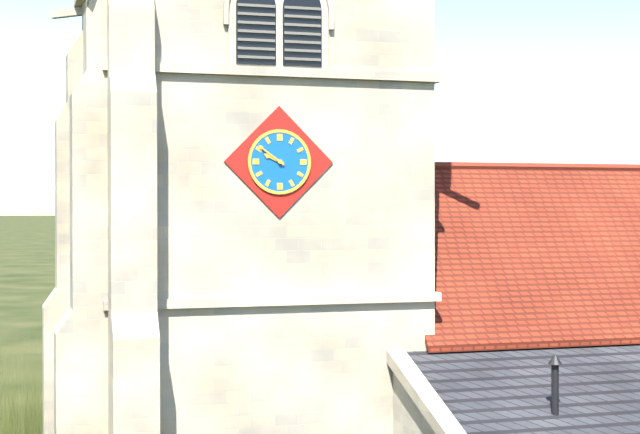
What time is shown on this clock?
9:51
